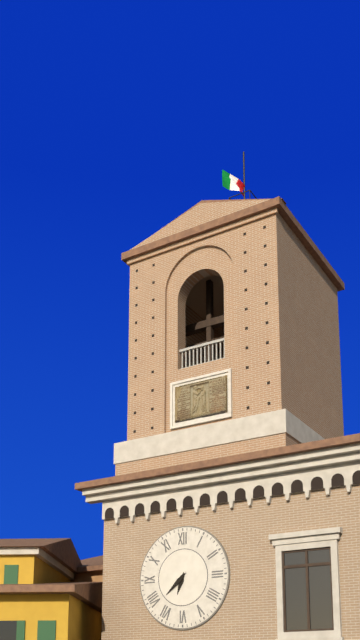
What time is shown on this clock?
6:38
